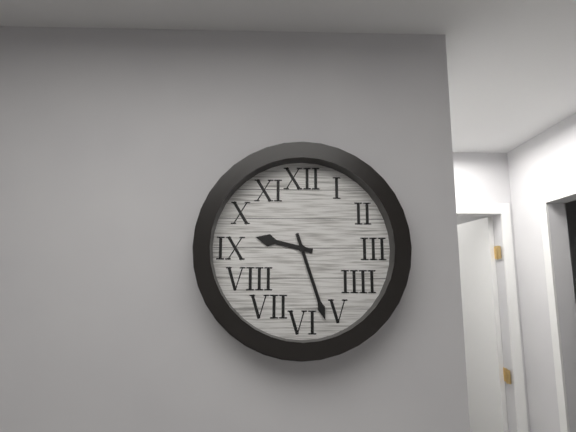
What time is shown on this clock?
9:27
